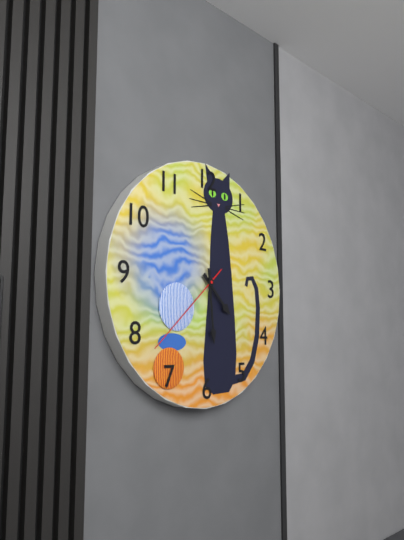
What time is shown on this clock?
4:29:38
